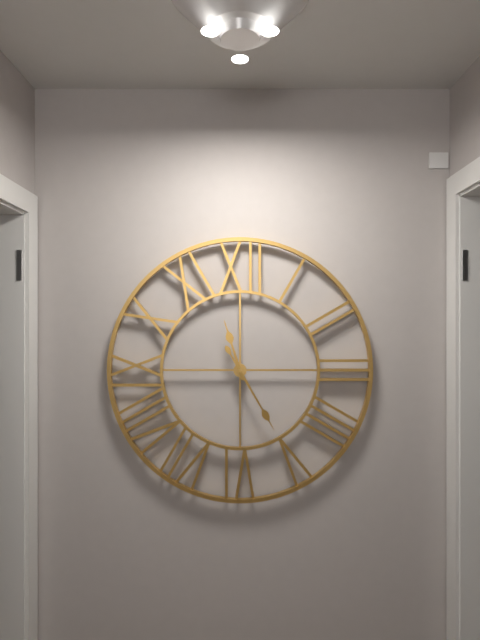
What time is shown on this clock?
11:25
